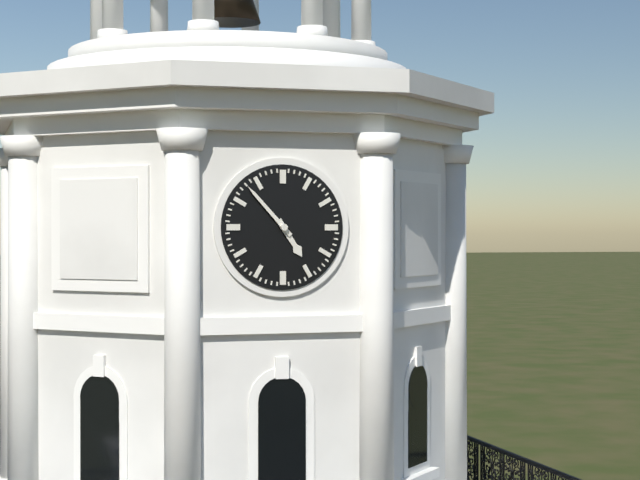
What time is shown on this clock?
4:53
